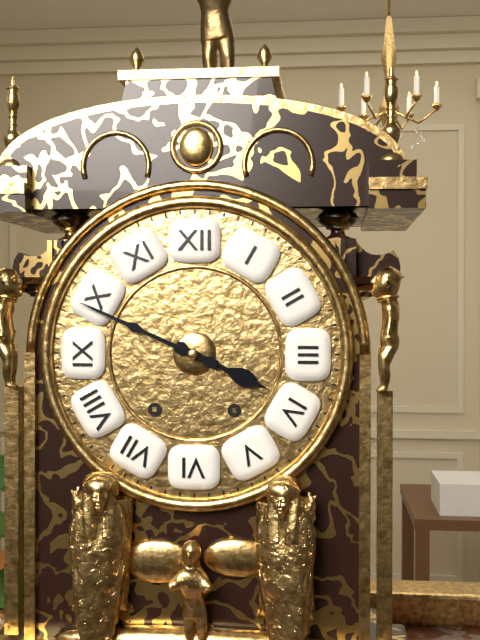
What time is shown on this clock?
3:49
